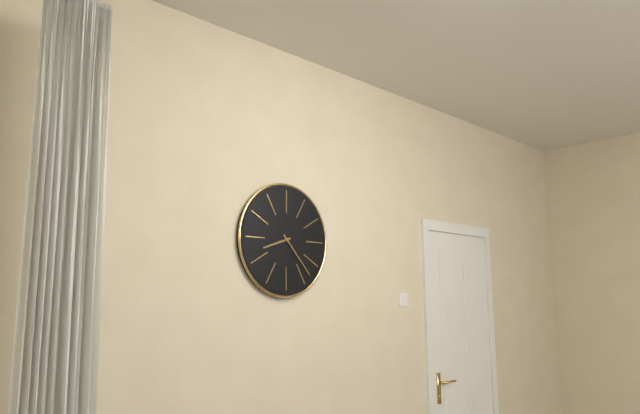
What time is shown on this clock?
8:23
